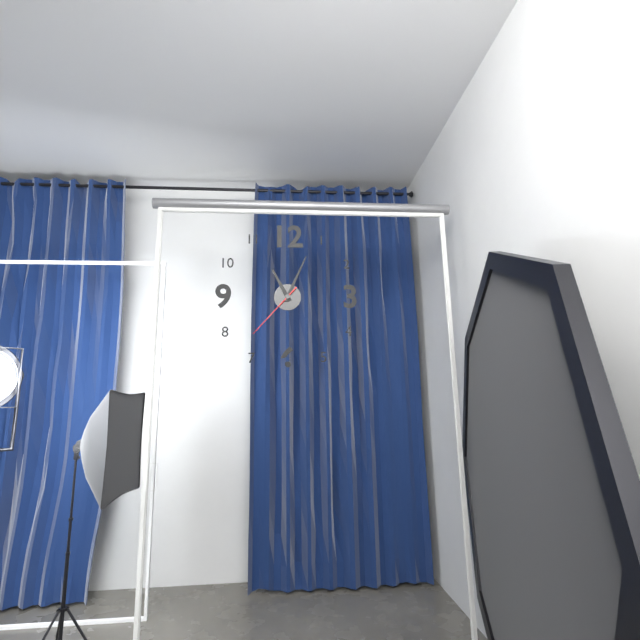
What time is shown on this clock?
11:04:37
